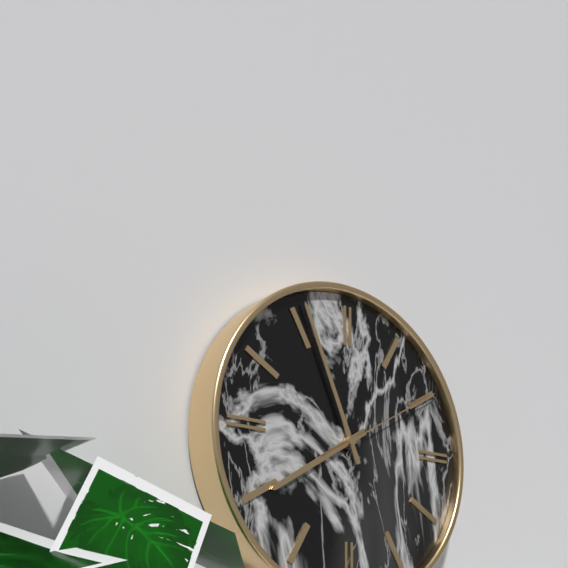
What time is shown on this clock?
7:56:10
